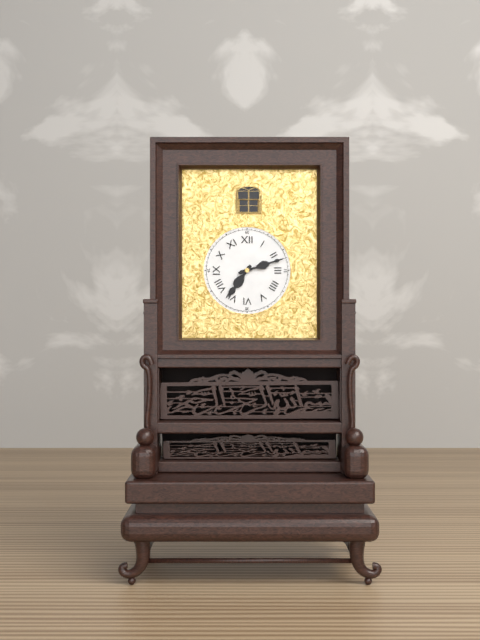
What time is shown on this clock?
7:12
